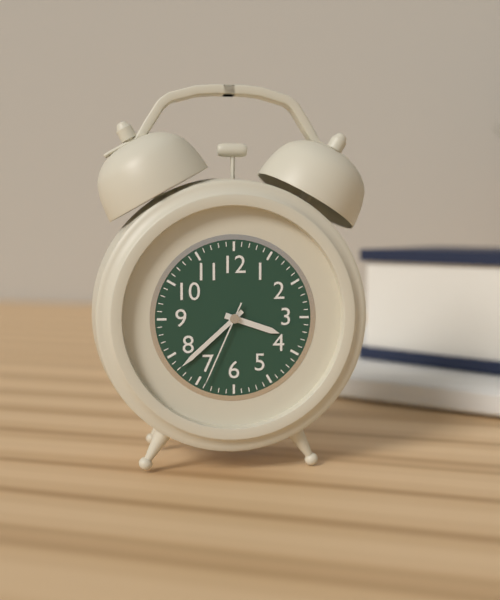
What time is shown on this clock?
3:38:34
